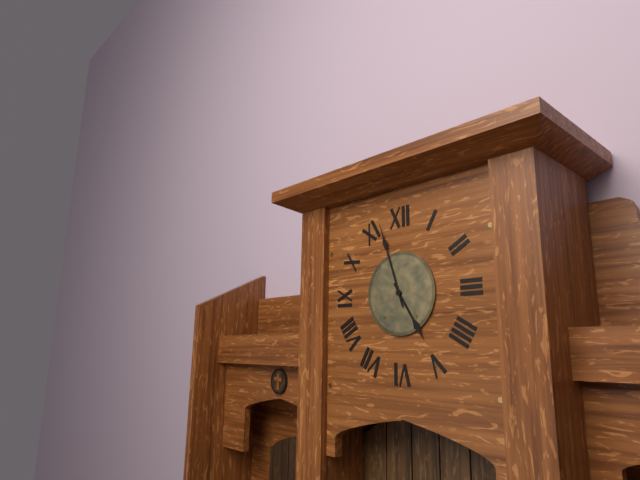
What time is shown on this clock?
4:57
